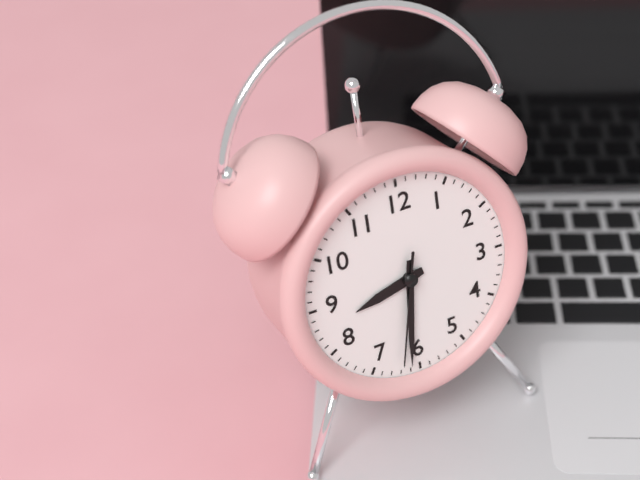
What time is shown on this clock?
8:31:32
